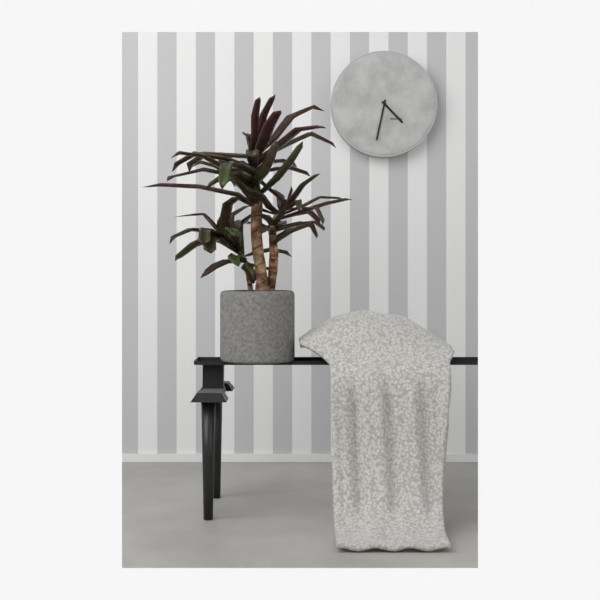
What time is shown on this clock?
4:32
